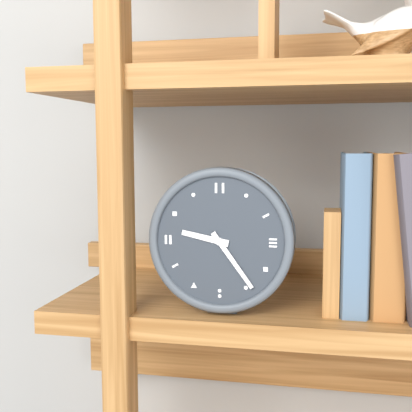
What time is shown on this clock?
9:24
